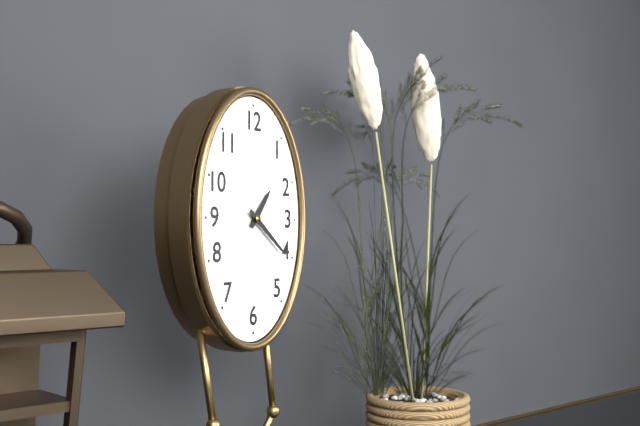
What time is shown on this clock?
1:21
